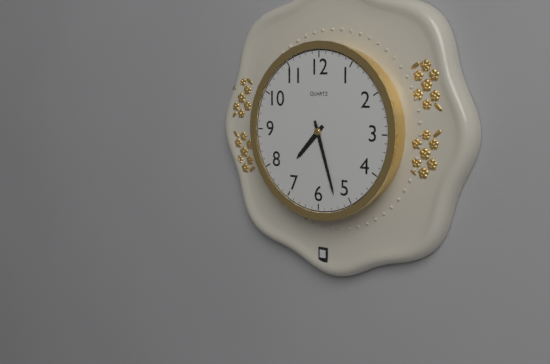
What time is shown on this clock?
7:27
